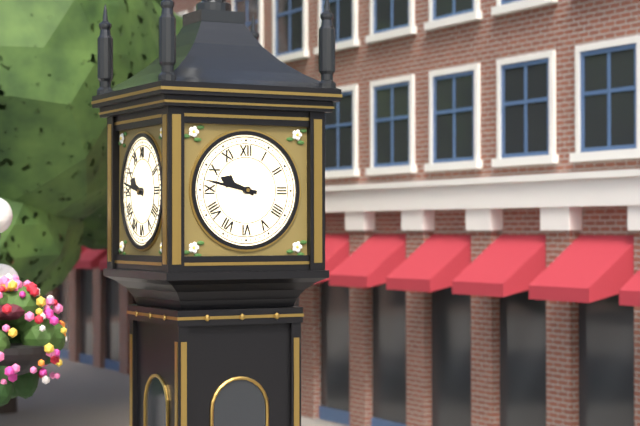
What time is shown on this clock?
9:47
